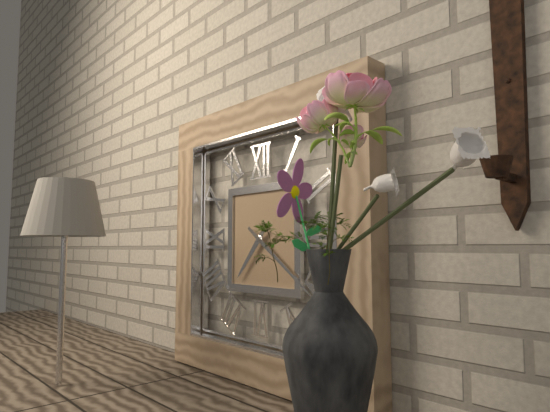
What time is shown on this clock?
7:21
